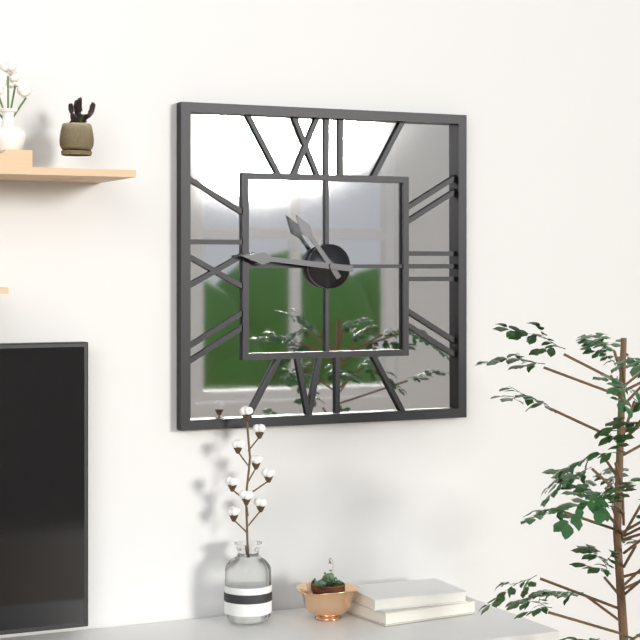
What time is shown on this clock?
10:46
